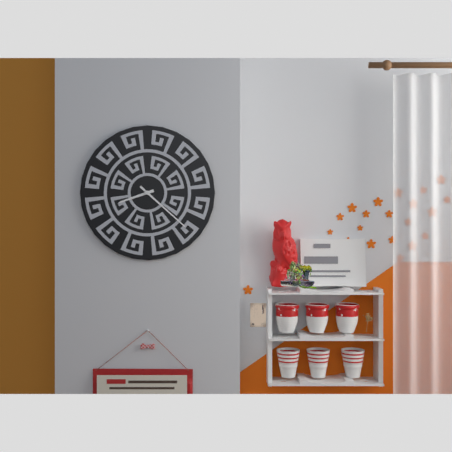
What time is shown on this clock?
8:22
